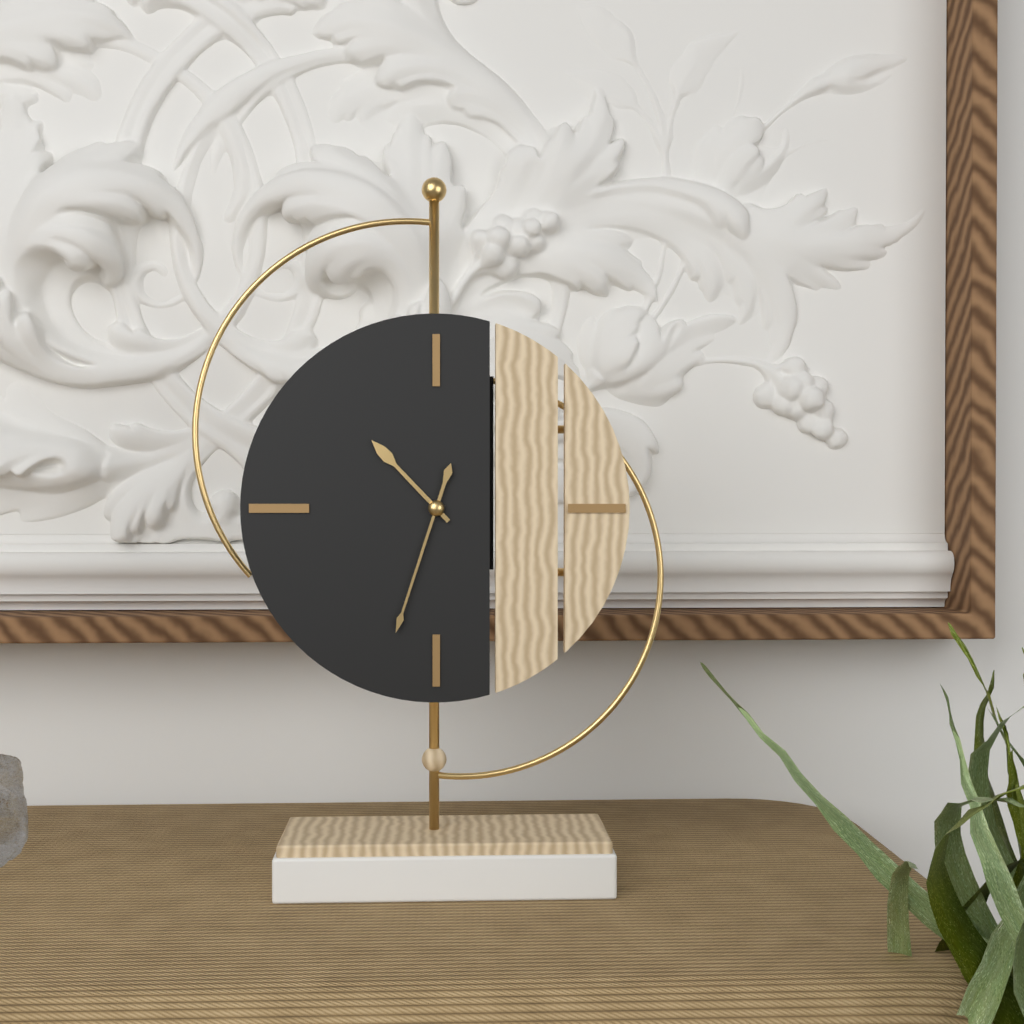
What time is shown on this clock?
10:33
